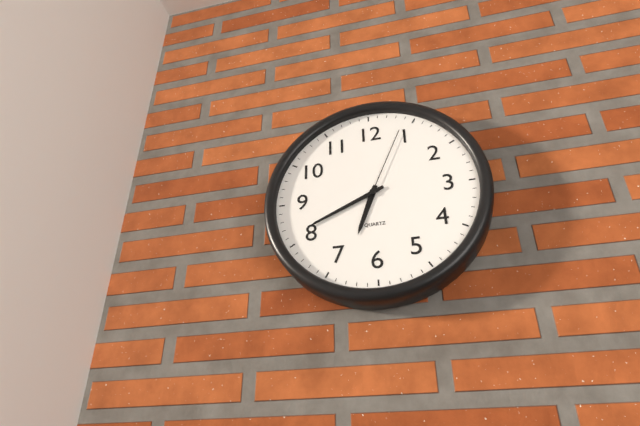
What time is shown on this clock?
6:41:04
